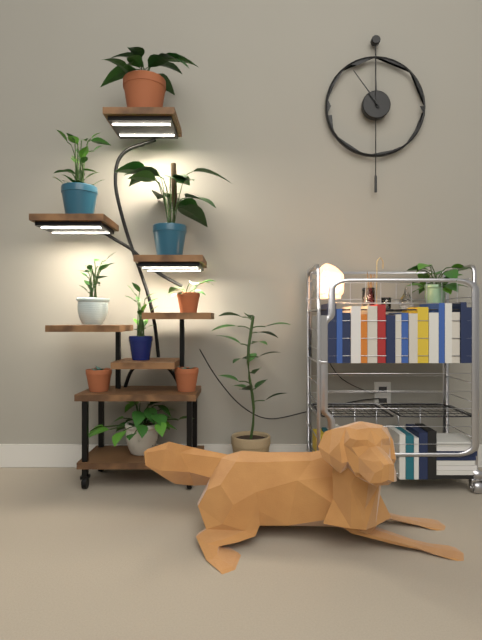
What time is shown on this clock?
11:54
